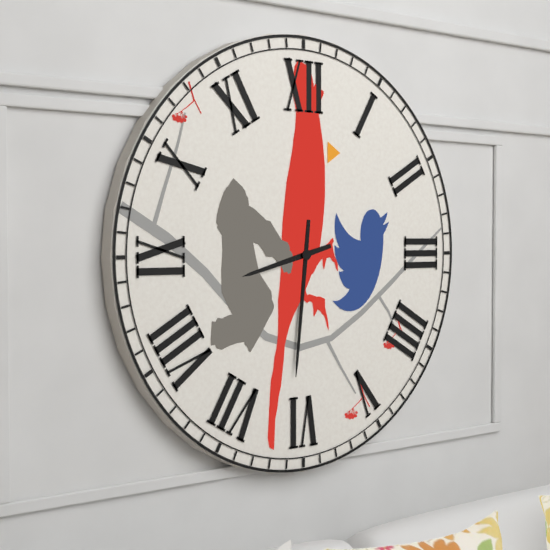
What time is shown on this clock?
8:31
